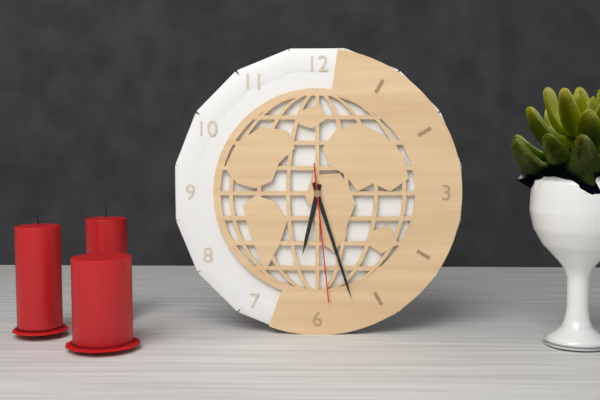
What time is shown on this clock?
6:27:29
